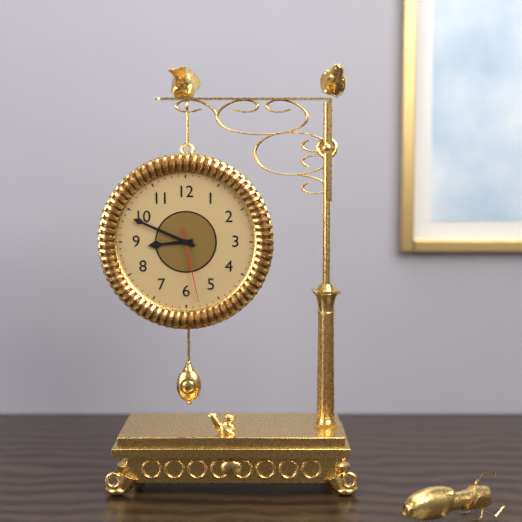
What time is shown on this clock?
8:49:28
